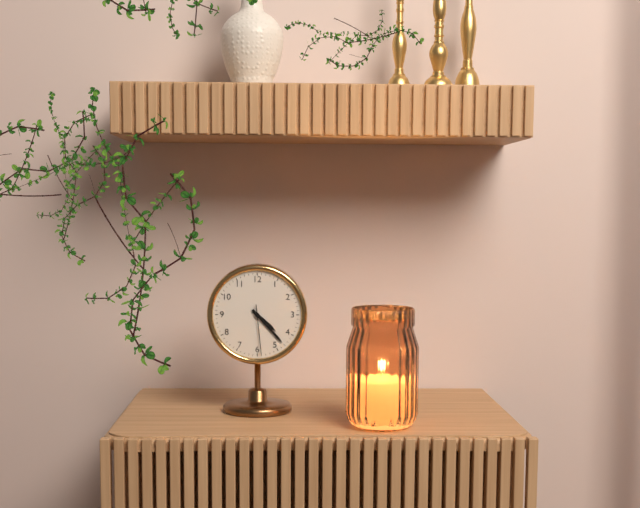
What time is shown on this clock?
4:23
